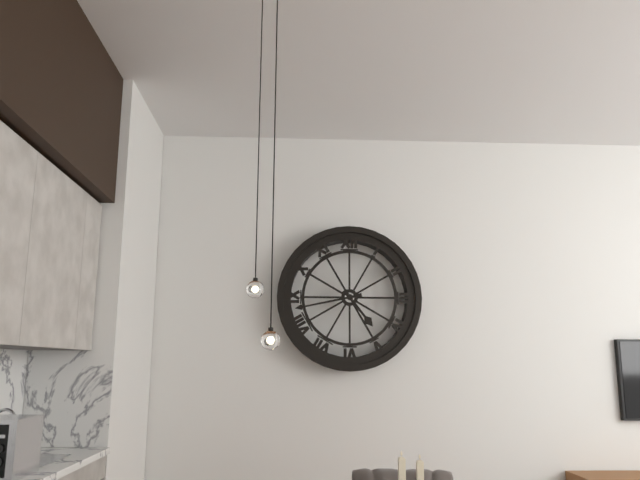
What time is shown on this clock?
4:43
